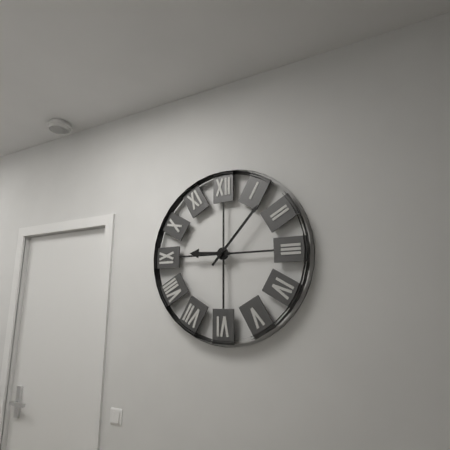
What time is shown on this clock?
9:07
